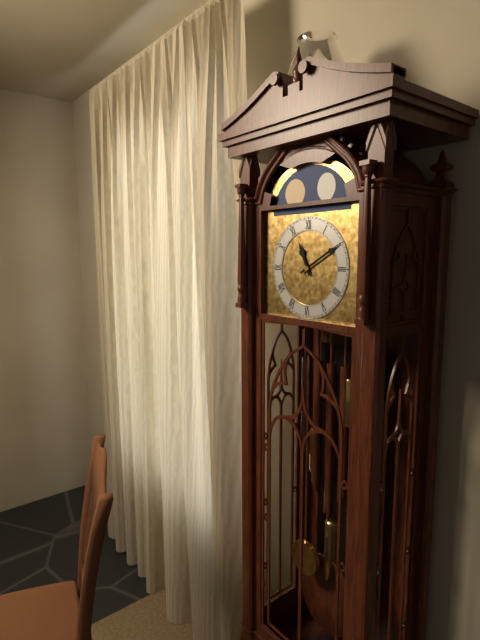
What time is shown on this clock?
11:10
